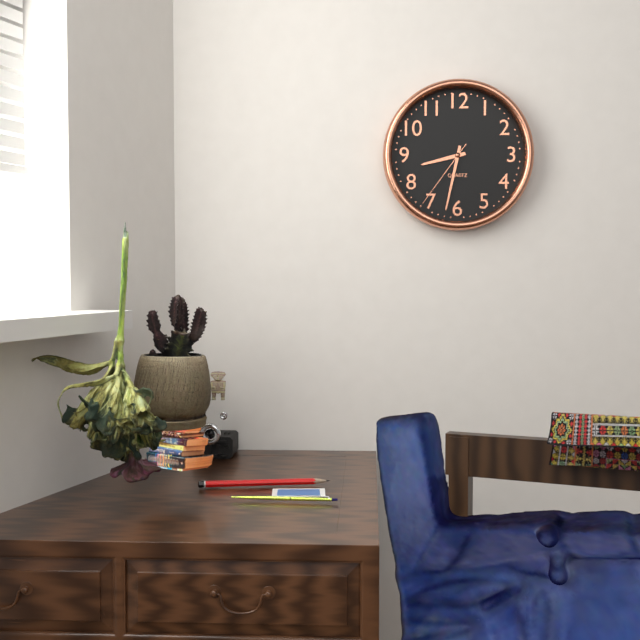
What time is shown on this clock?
8:32:36
